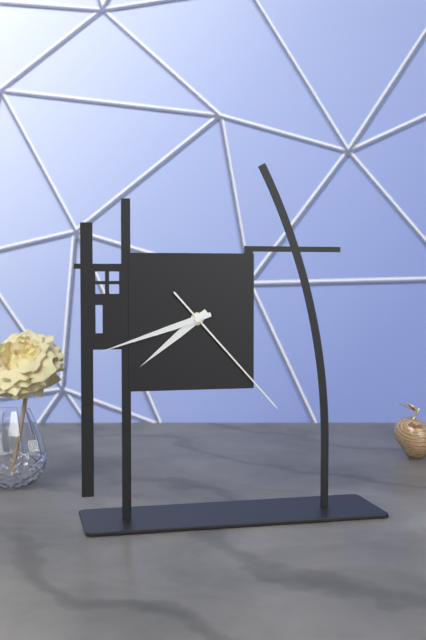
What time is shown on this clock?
7:42:23
